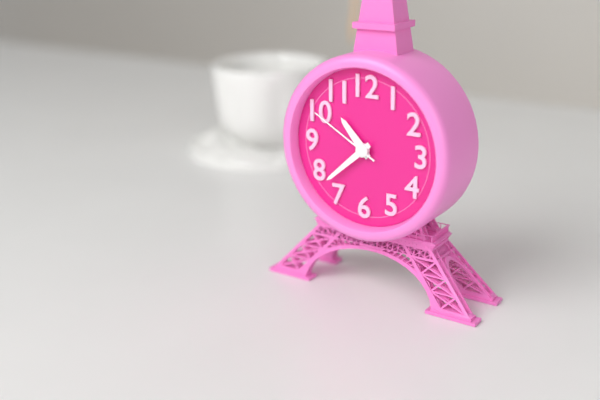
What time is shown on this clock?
10:38:50
